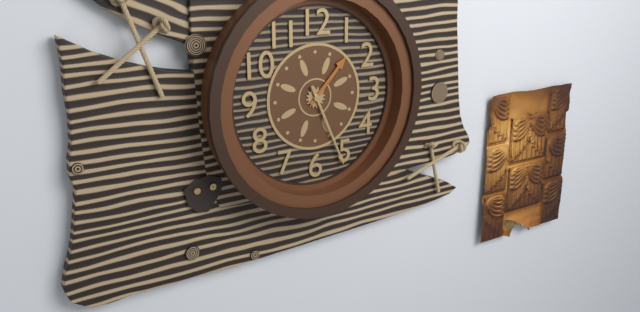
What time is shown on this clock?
1:26
